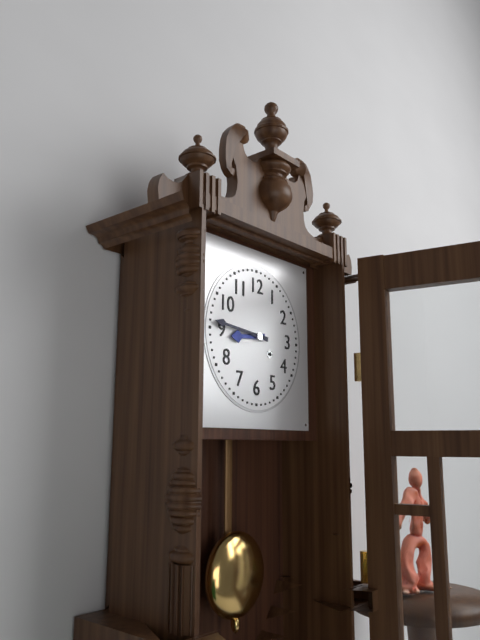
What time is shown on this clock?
8:46
